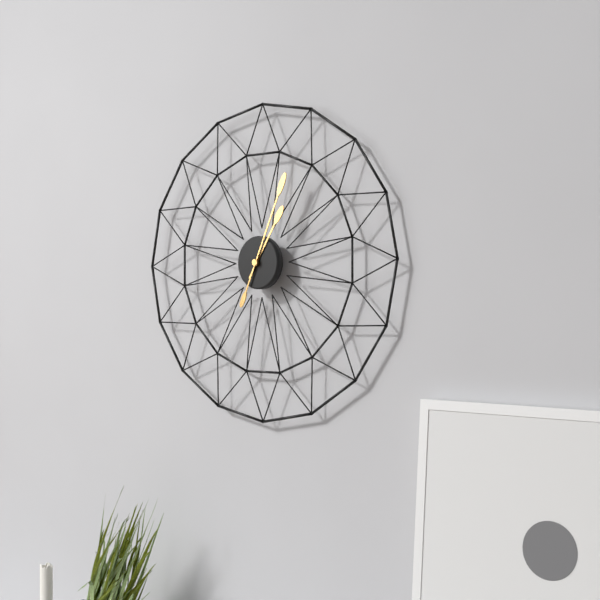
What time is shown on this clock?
1:04
